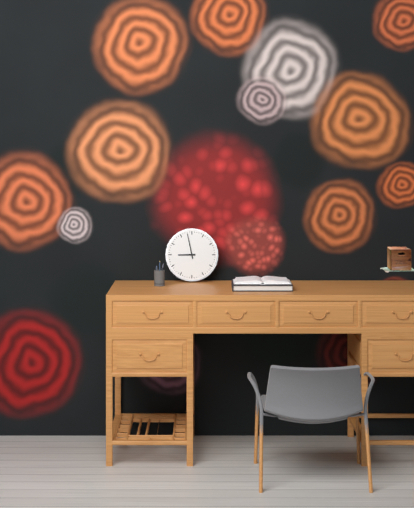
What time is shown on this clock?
8:58
